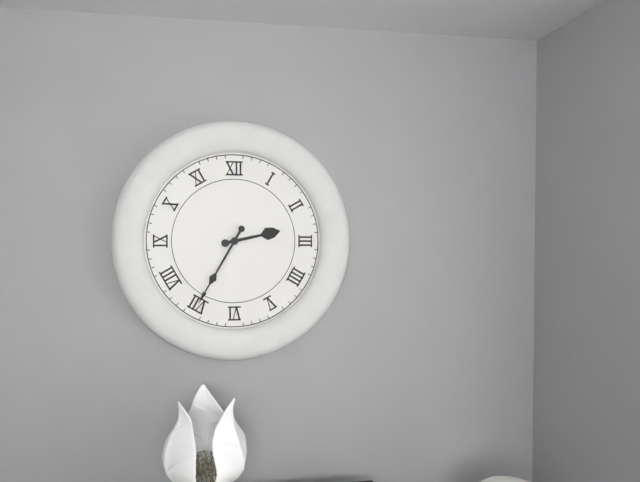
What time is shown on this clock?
2:35
